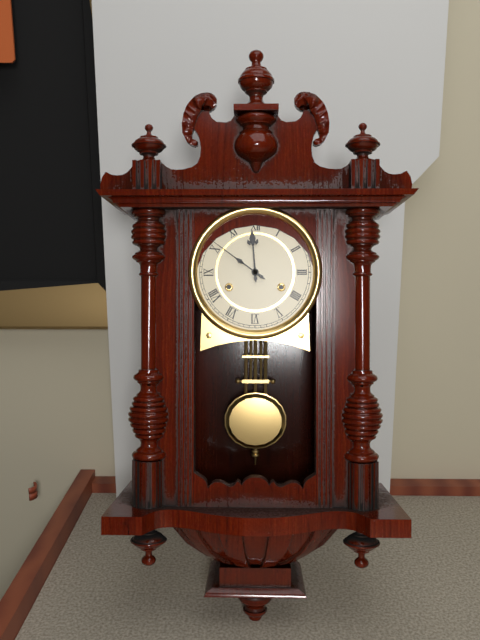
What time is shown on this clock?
11:51
